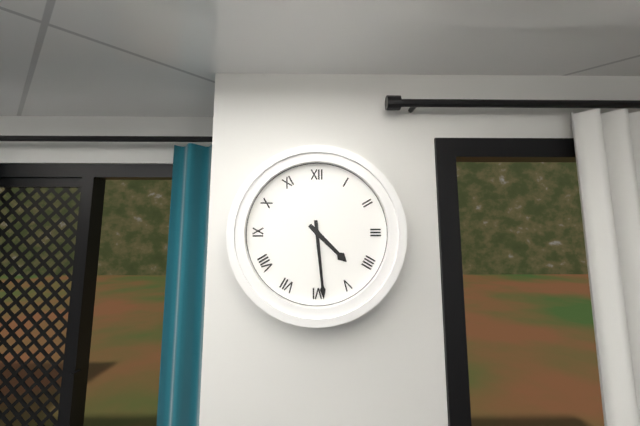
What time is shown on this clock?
4:29
